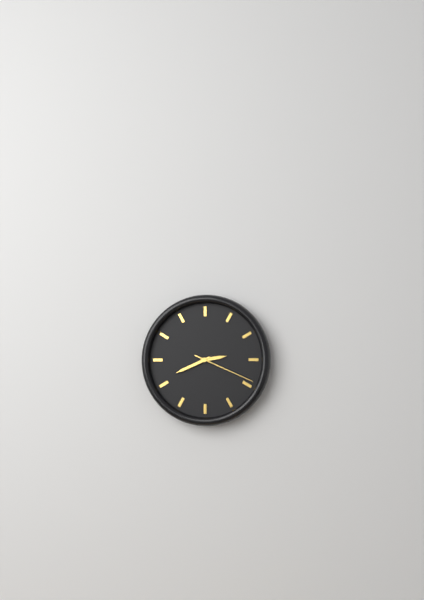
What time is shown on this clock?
2:41:19
